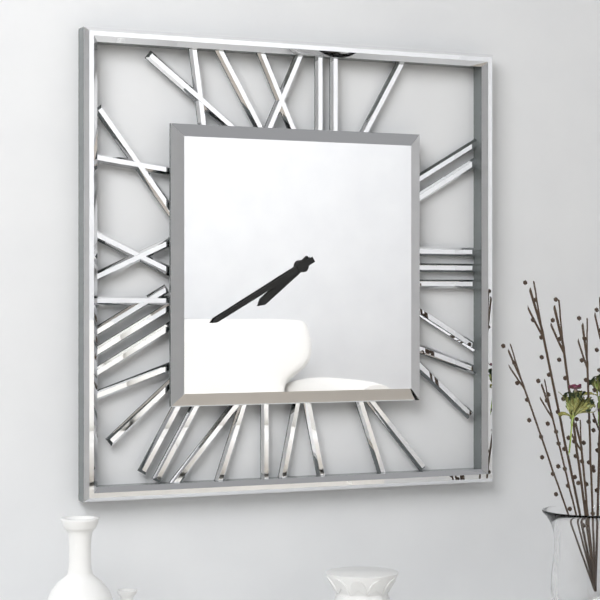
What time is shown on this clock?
7:40
